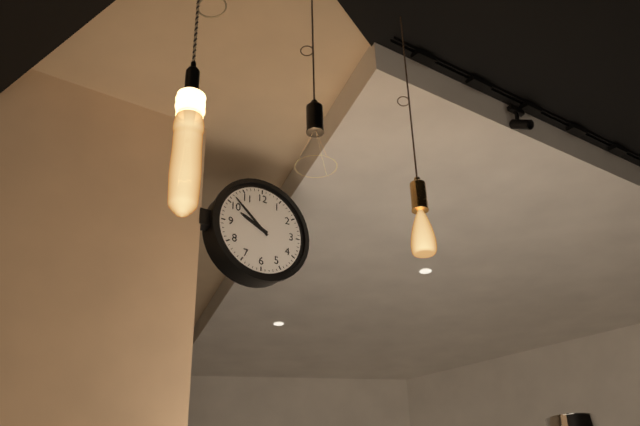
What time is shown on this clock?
9:52
